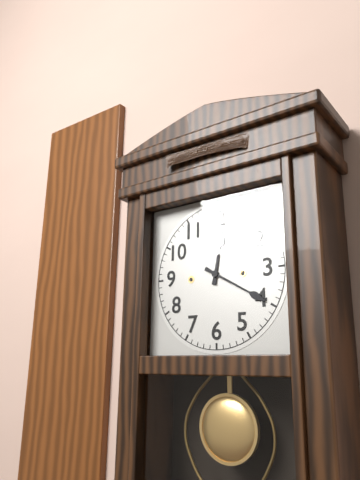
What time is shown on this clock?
12:20
